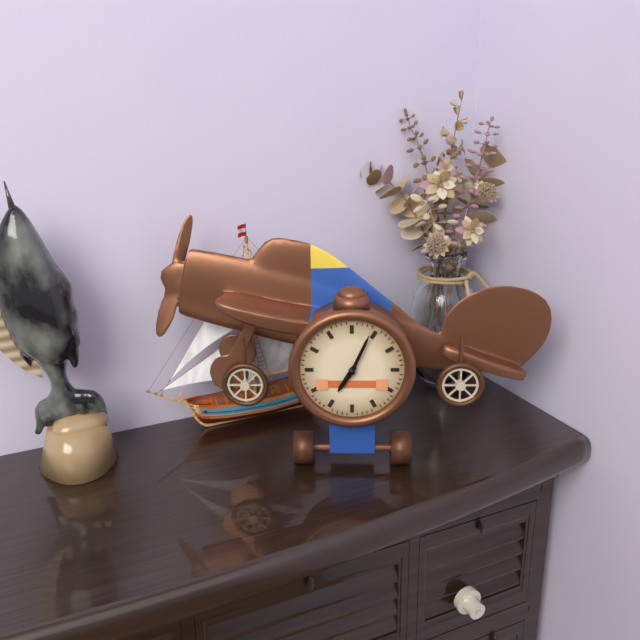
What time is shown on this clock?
7:04
